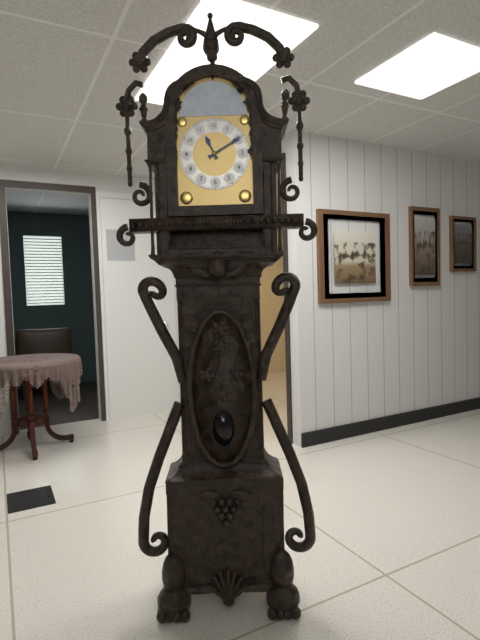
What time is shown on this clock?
11:10
